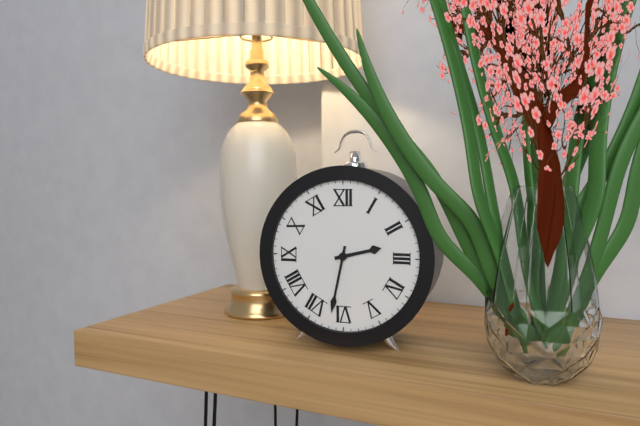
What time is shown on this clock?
2:32
